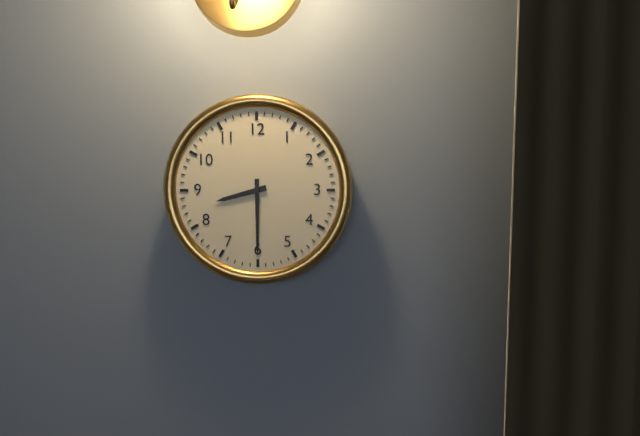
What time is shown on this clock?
8:30
